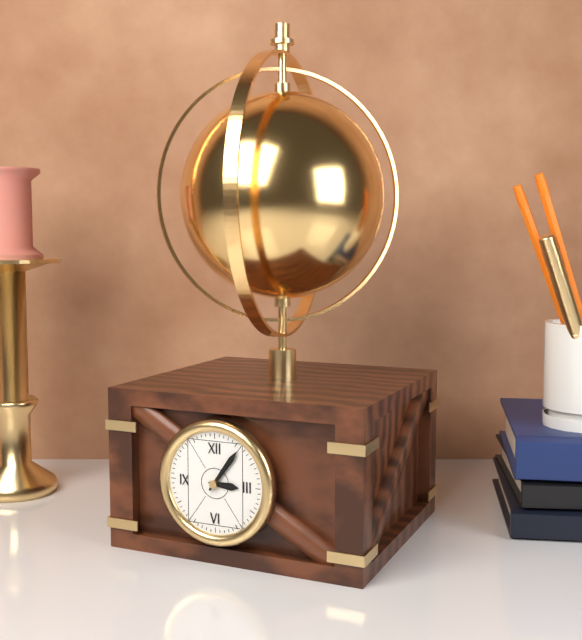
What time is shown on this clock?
3:06
